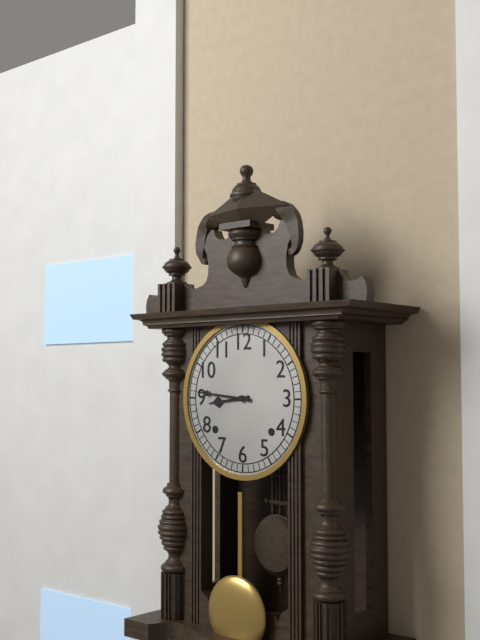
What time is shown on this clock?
8:46
